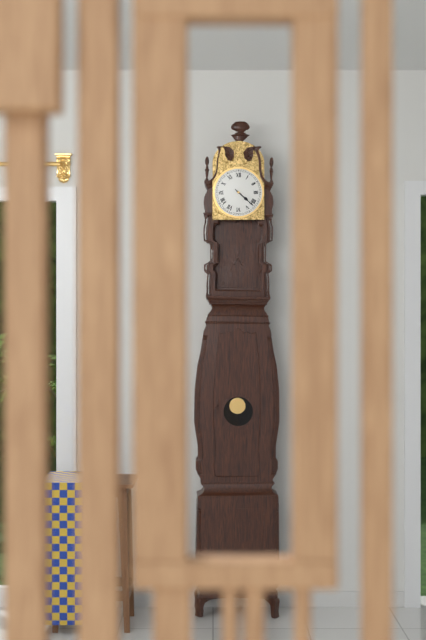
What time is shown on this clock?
4:22
